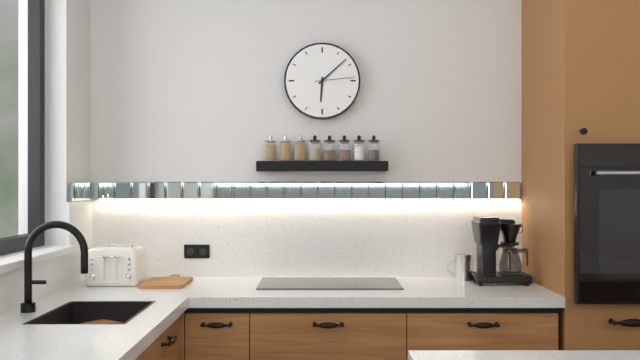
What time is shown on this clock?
6:08
